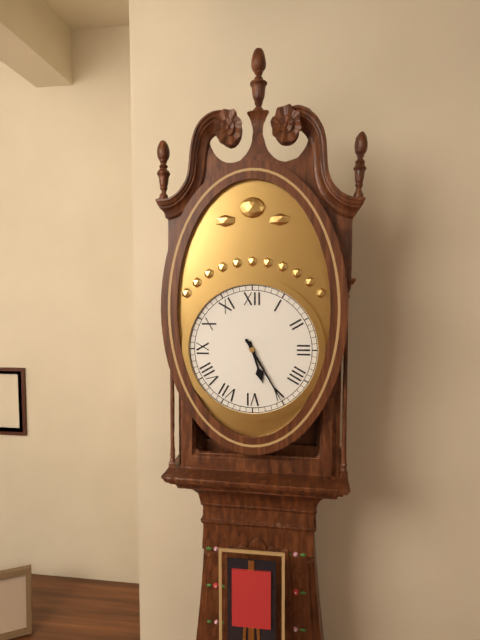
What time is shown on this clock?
5:25
